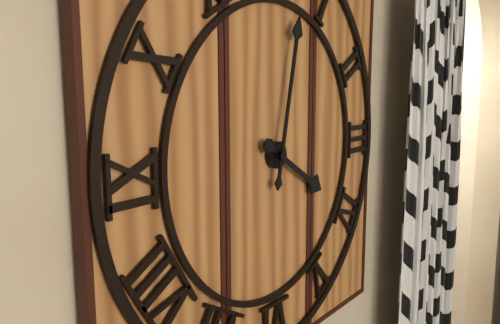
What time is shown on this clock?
4:02
